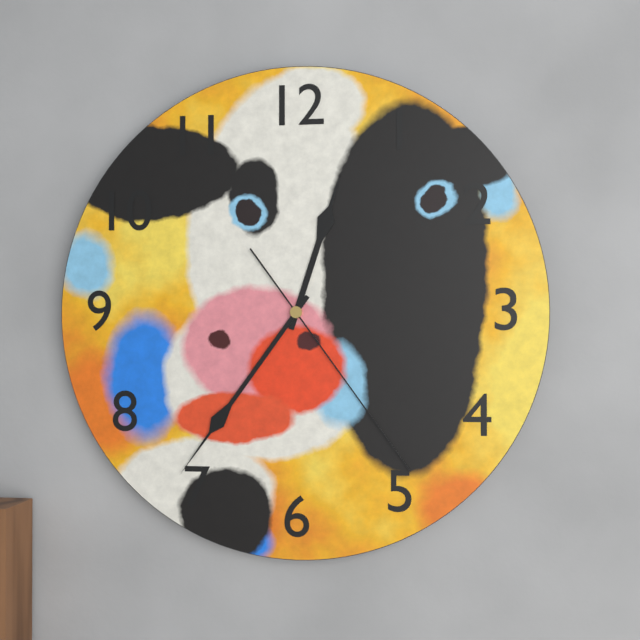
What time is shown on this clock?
12:36:24
